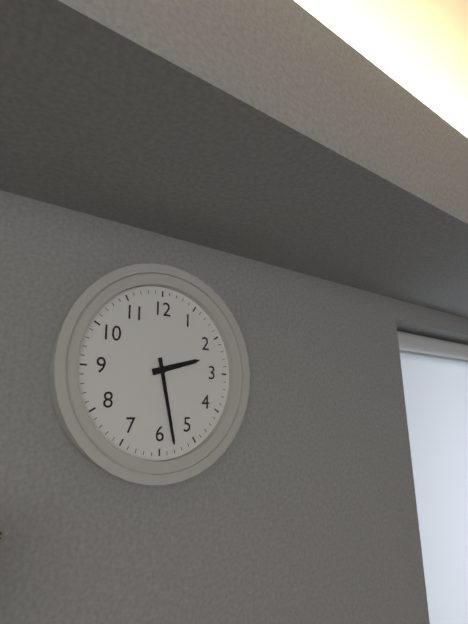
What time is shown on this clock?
2:28
